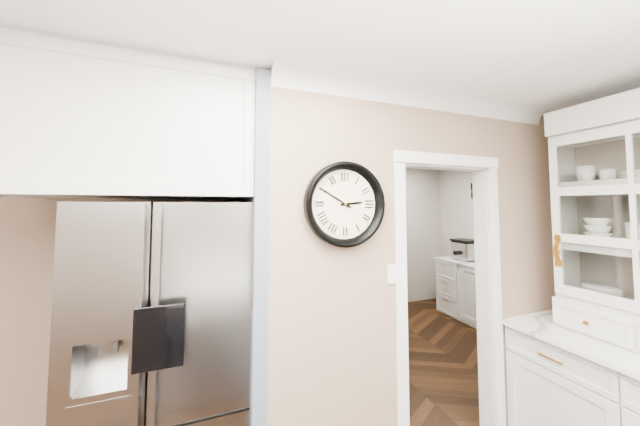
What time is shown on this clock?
2:50
